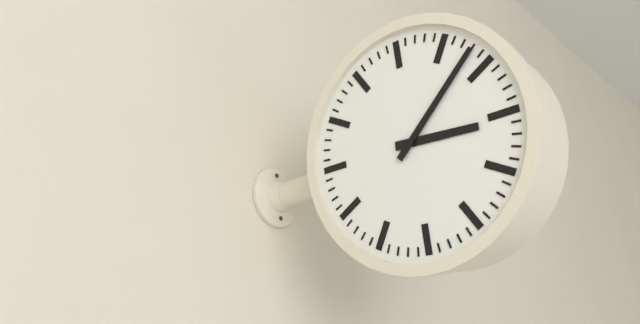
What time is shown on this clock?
3:08
